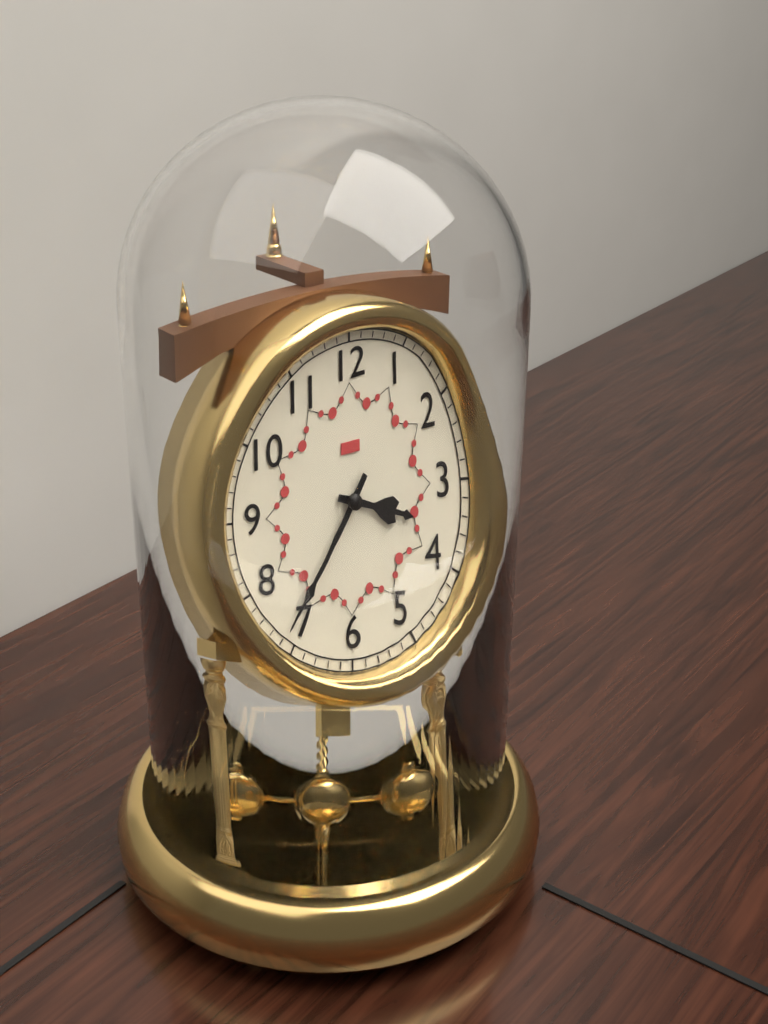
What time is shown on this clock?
3:36
